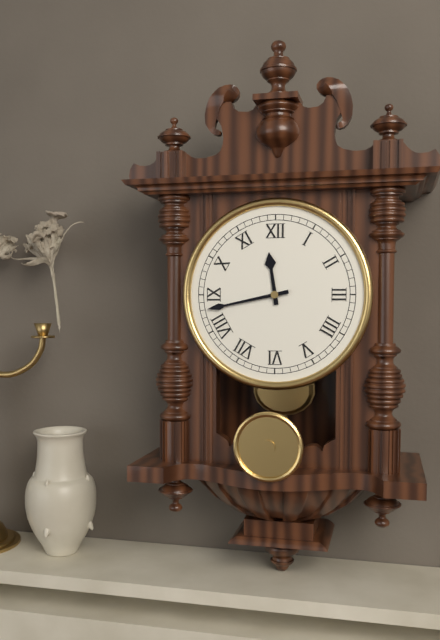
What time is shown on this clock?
11:43
